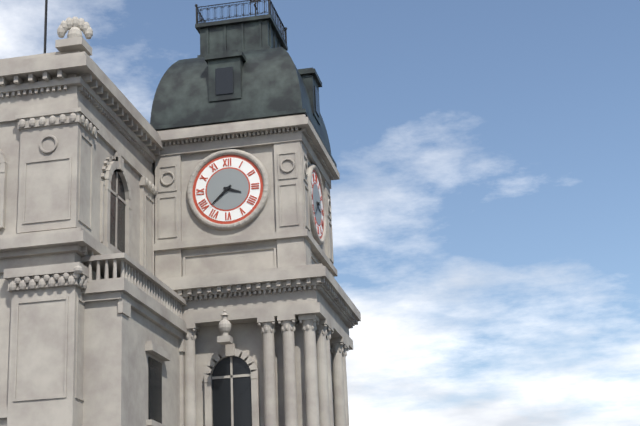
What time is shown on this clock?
3:38
